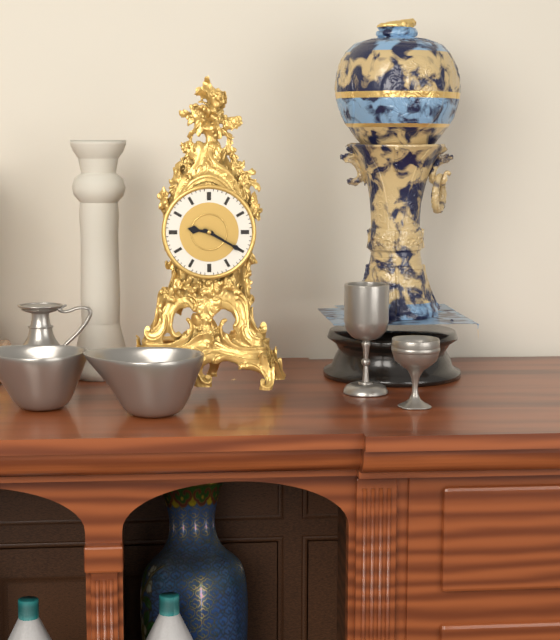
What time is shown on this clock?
9:20
